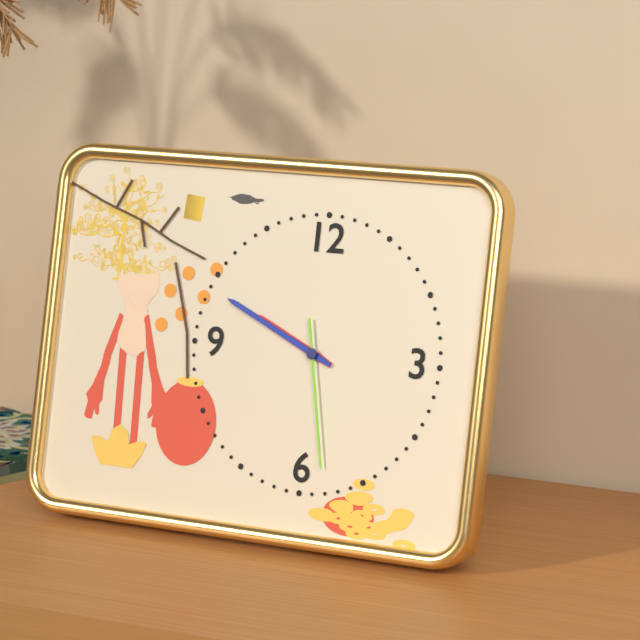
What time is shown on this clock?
9:49:28
